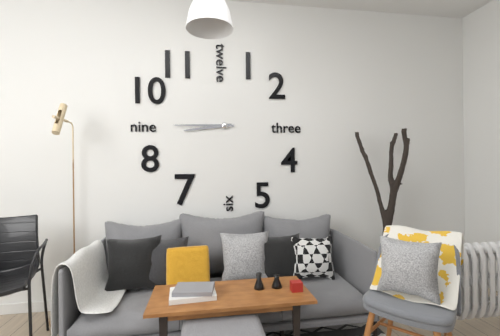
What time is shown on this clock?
8:45
